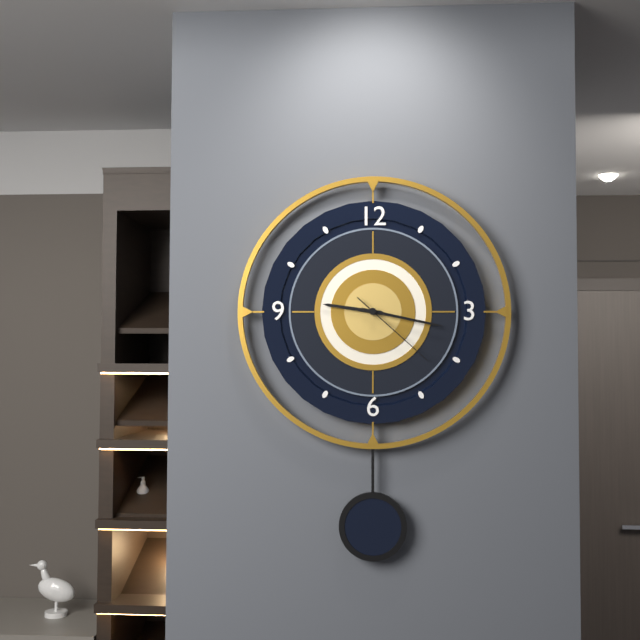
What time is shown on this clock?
9:17:22
